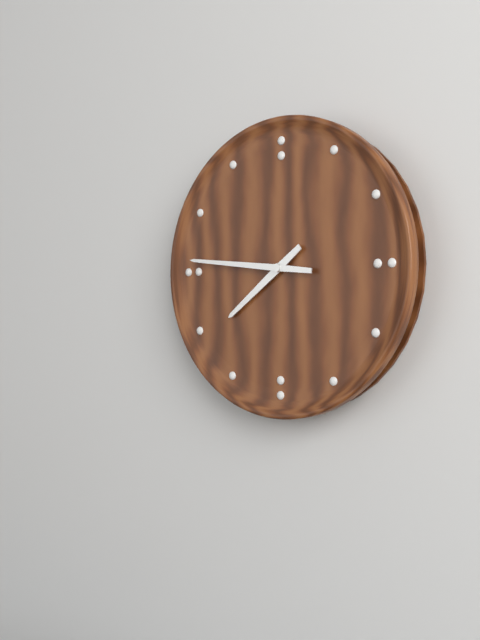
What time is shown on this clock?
7:46
